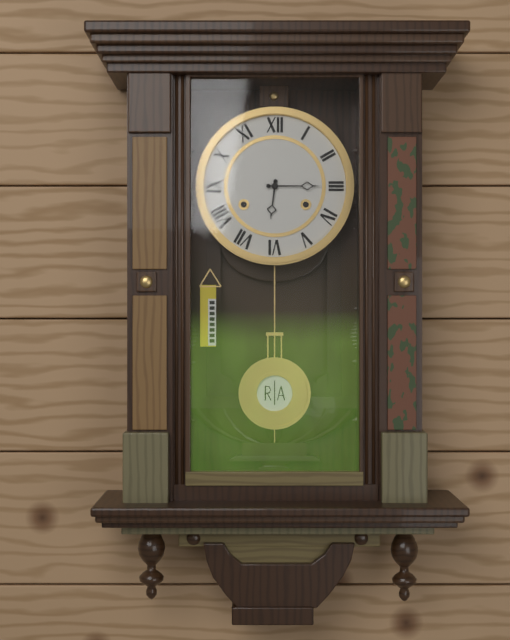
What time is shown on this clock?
6:15
